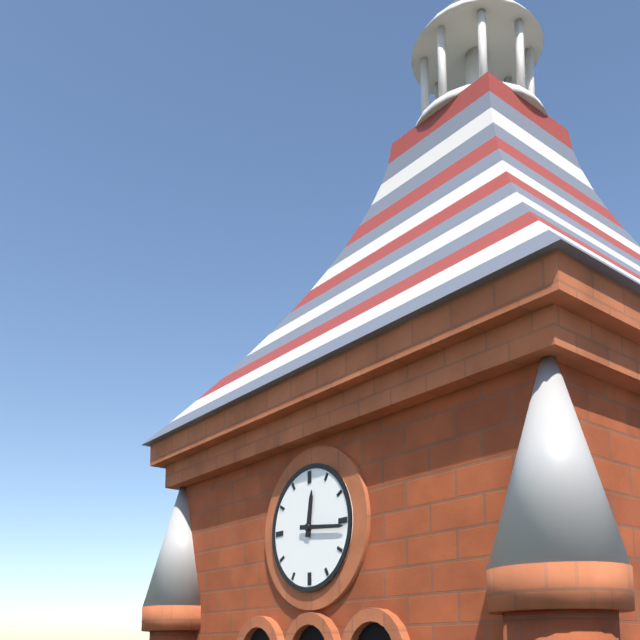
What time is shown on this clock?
12:16
